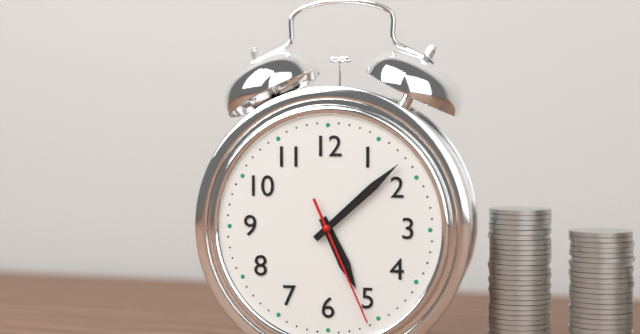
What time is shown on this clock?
5:08:26
